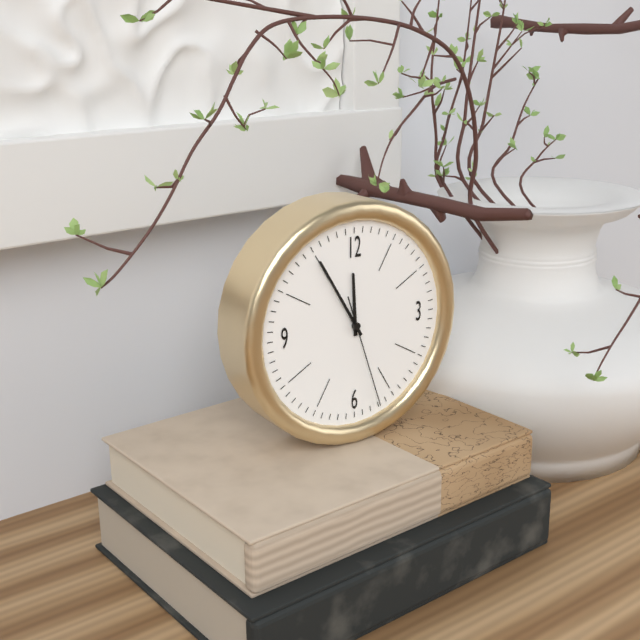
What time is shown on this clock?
11:55:27
